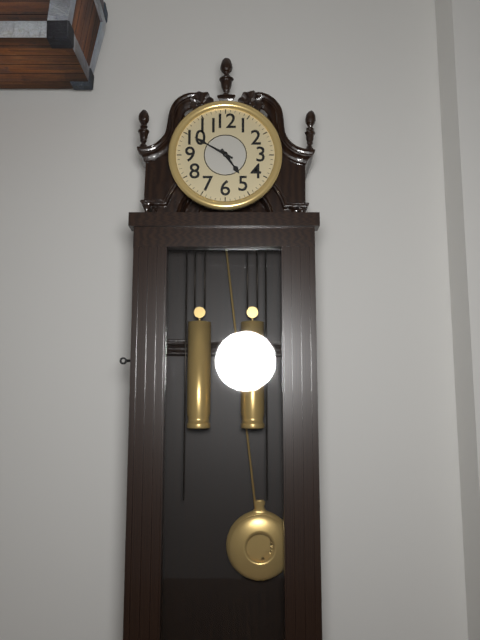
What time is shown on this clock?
4:50
